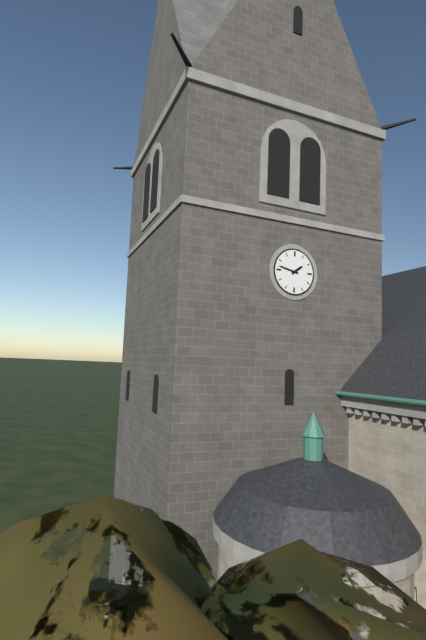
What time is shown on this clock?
1:47
